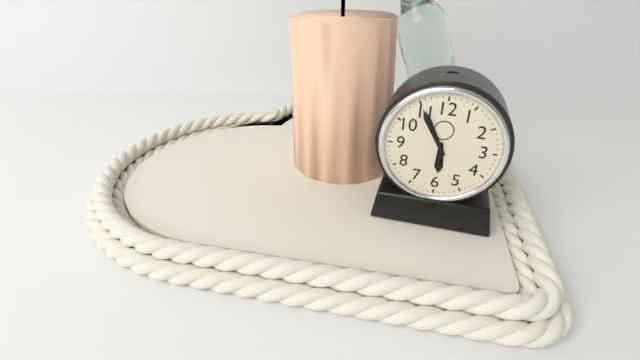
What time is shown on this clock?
5:55
